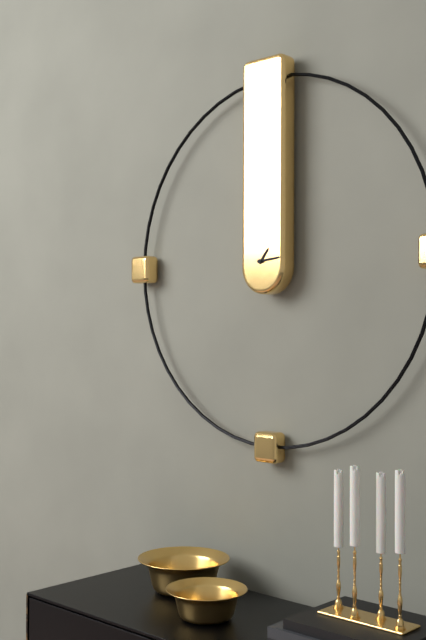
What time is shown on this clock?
1:14
